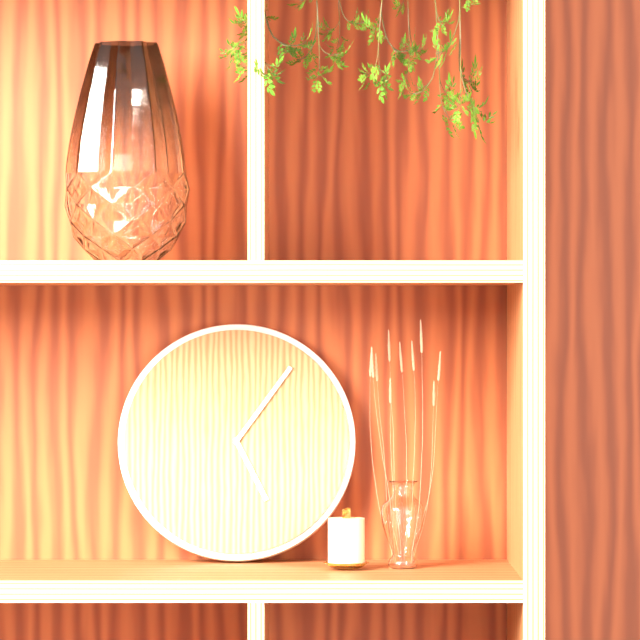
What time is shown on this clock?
5:06
